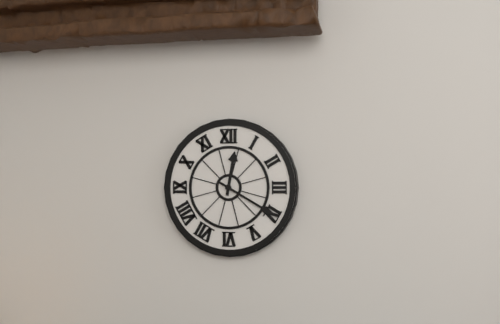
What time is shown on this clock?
12:20
